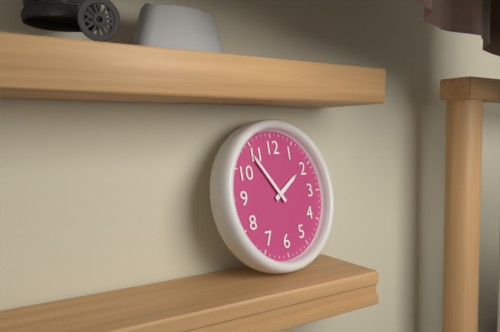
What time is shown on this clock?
1:54
